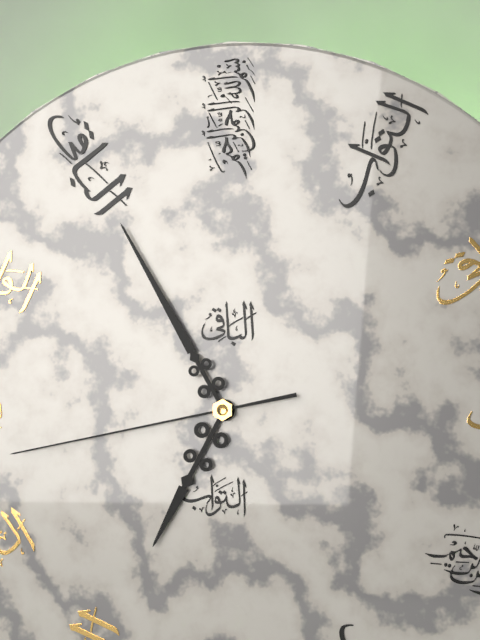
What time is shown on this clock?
6:55:43
